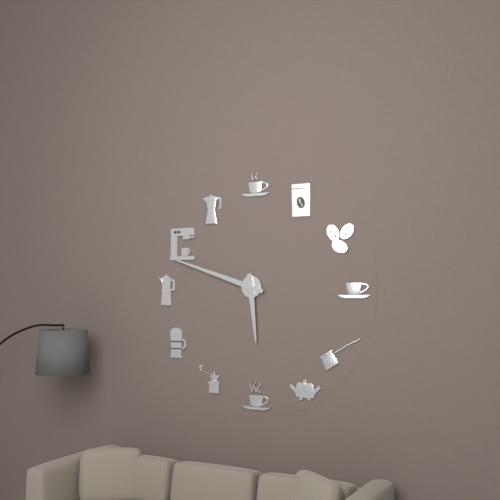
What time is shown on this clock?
5:48
